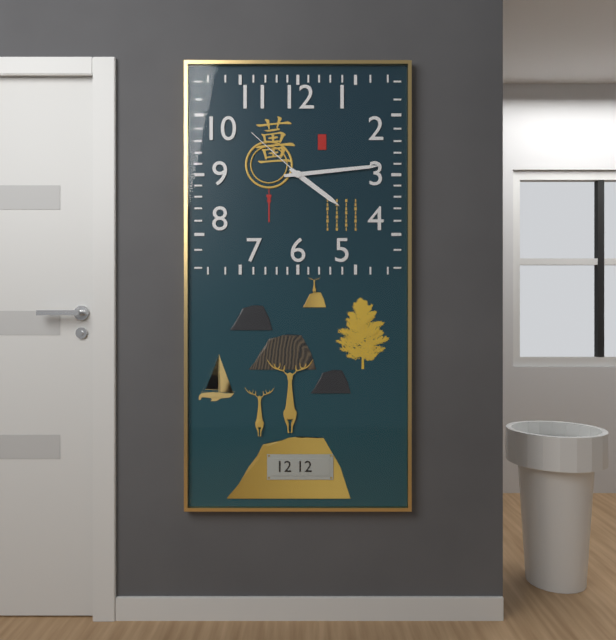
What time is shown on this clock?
4:14:52
